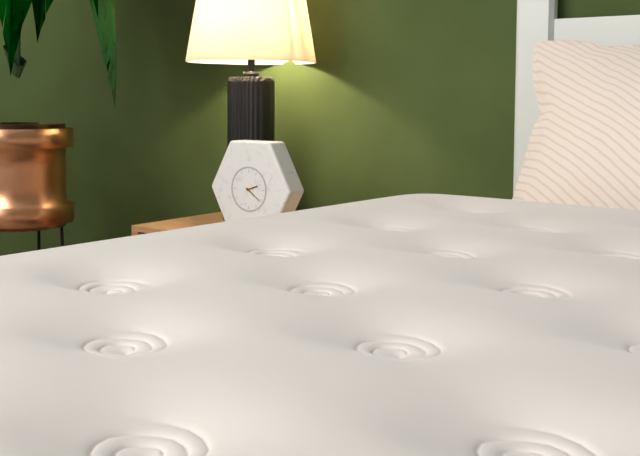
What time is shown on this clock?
2:21
